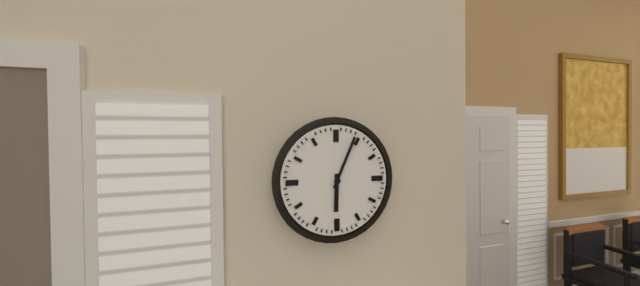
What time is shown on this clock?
6:04
